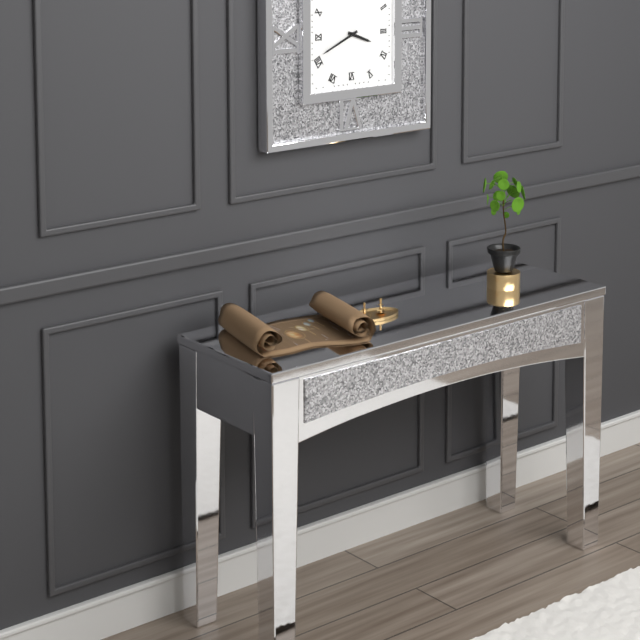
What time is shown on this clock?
3:41
